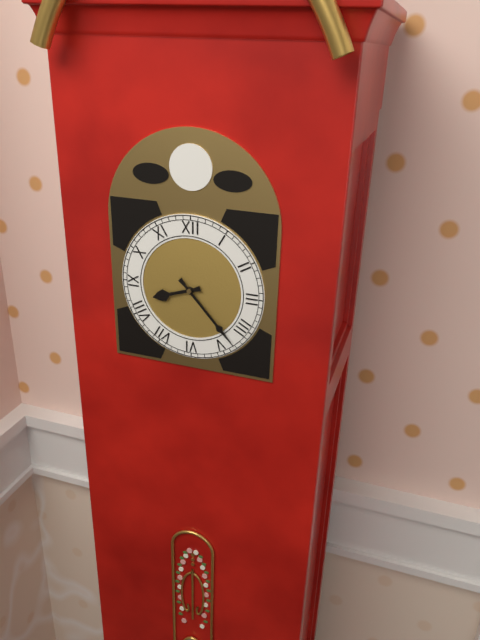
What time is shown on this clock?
8:23
